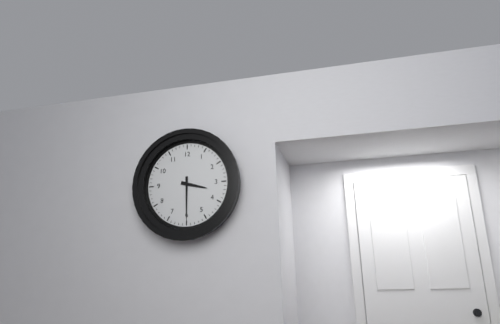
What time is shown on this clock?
3:30
